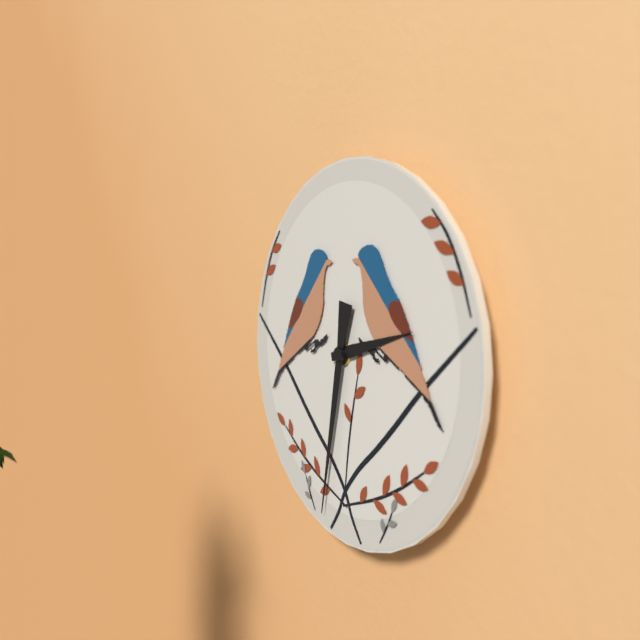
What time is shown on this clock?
2:32
